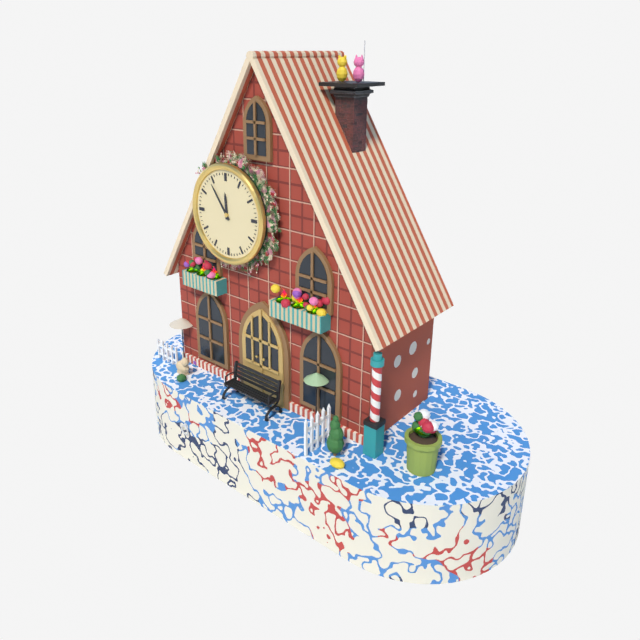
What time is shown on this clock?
11:54
